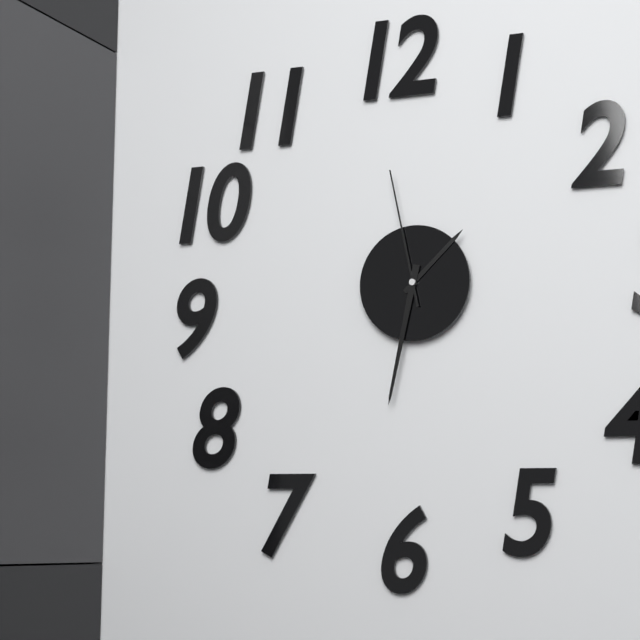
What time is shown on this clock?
1:32:58
